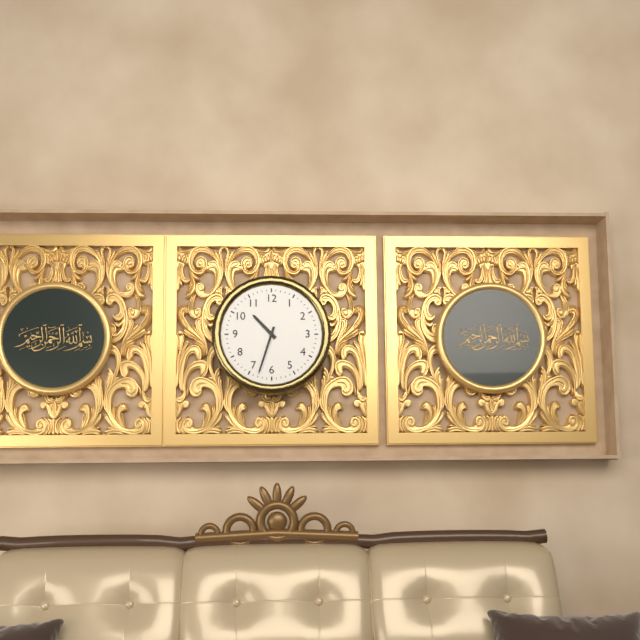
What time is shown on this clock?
10:33
